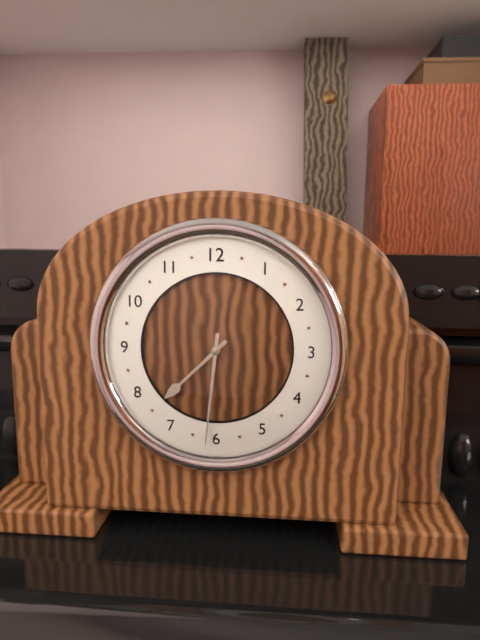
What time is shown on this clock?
7:31
